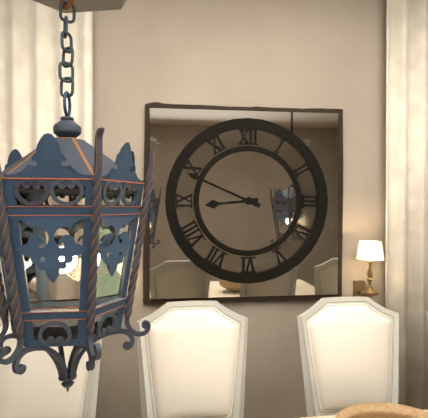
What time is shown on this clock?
8:49
